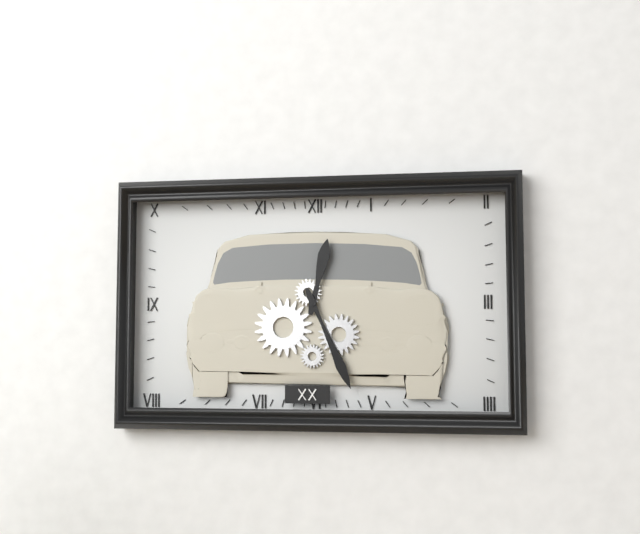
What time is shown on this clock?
12:26
